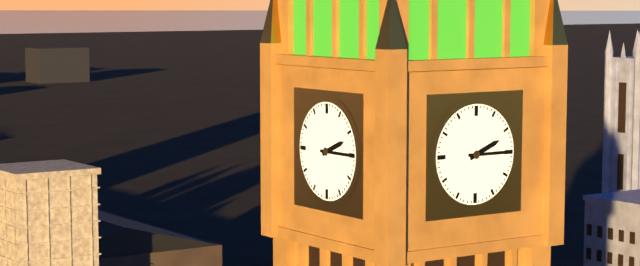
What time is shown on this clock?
2:15
